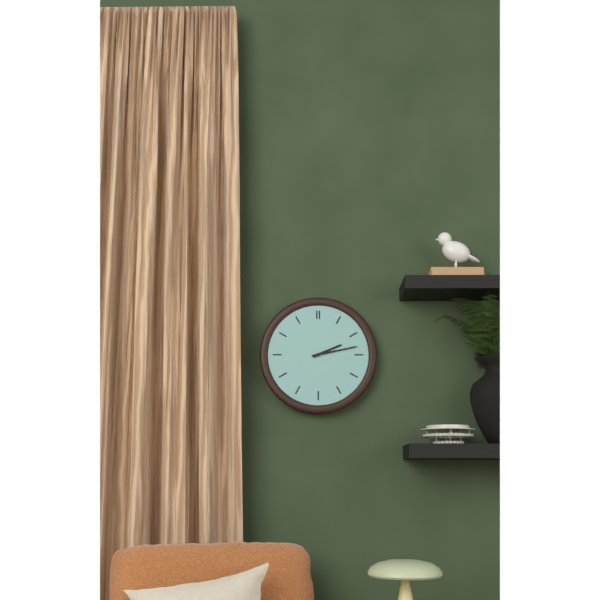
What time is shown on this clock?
2:13
